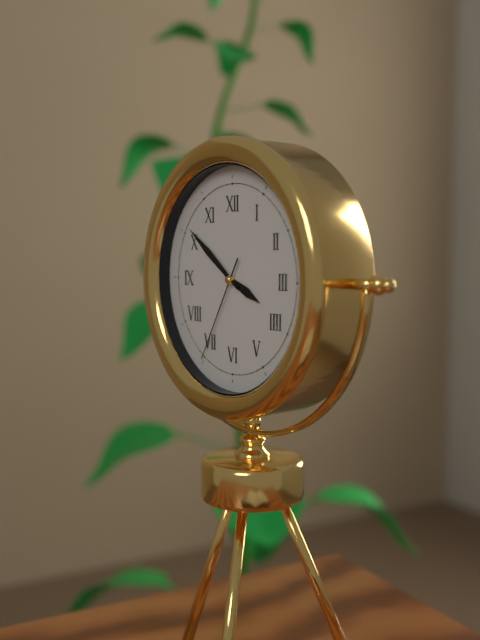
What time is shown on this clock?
3:51:35
